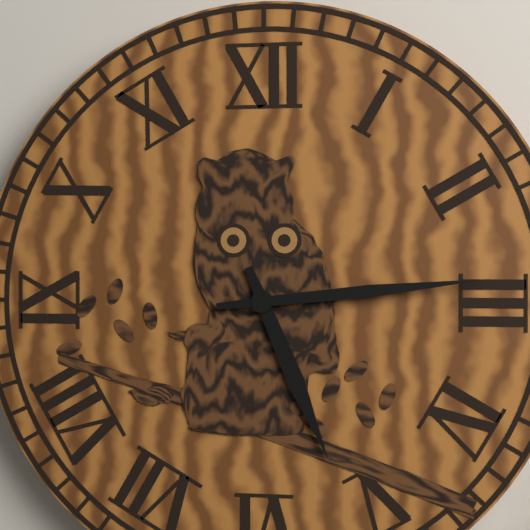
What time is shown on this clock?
5:14
